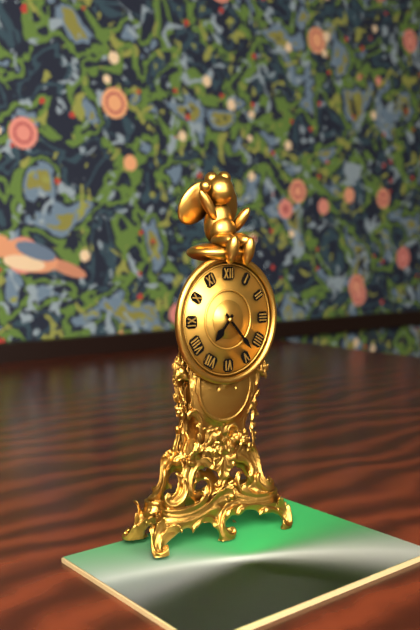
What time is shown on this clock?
7:23
